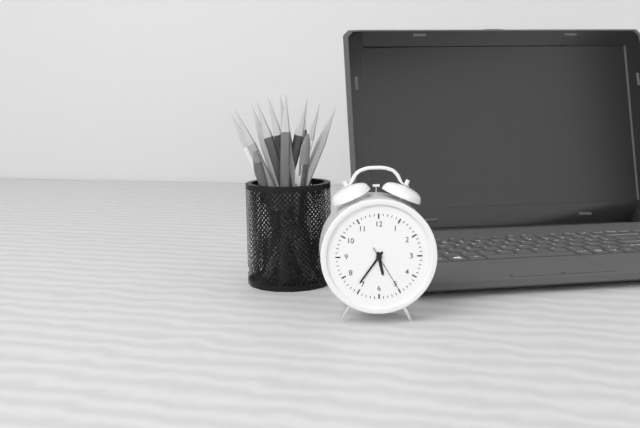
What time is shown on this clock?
5:36
